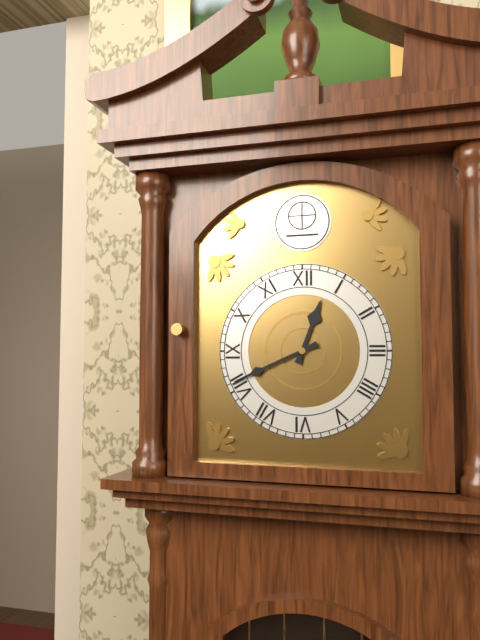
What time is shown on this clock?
12:41
